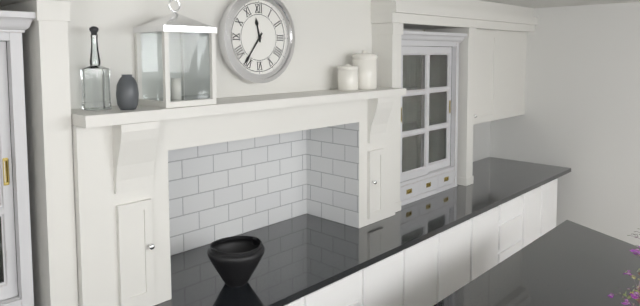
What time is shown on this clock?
11:36
